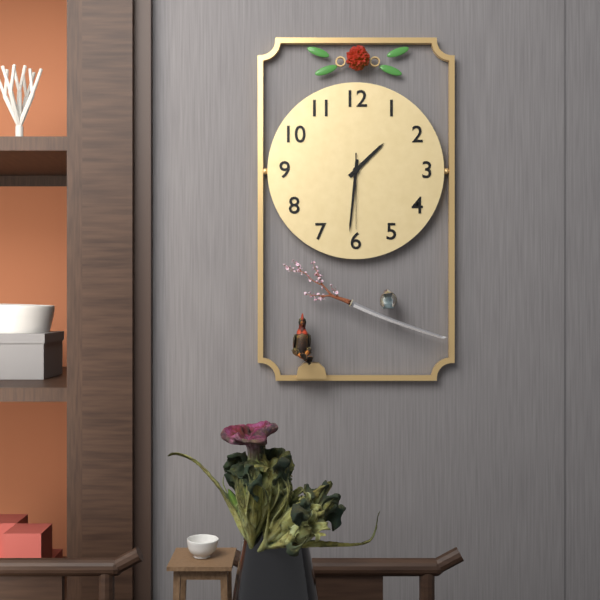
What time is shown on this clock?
1:31:30
